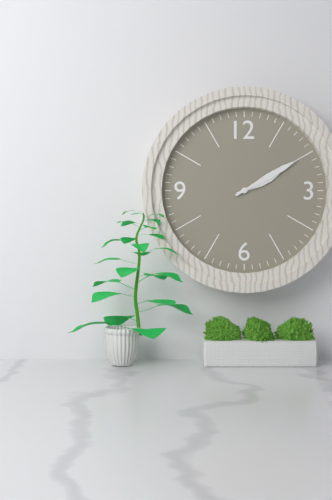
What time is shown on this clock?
2:10
